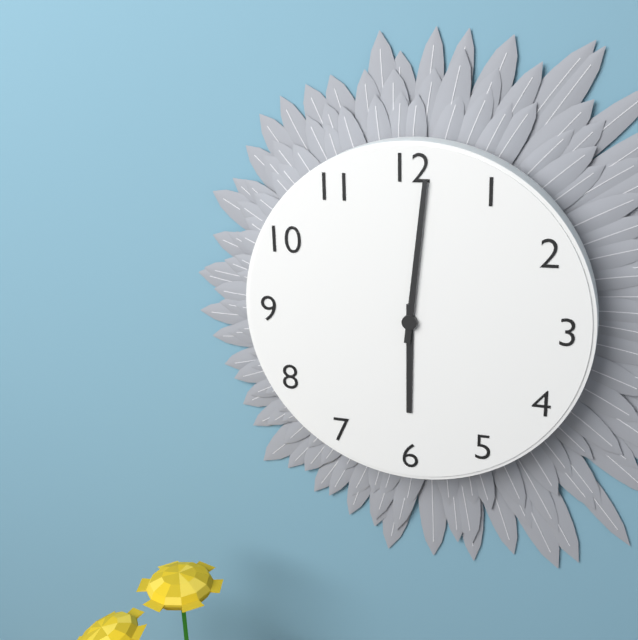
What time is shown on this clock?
6:01
